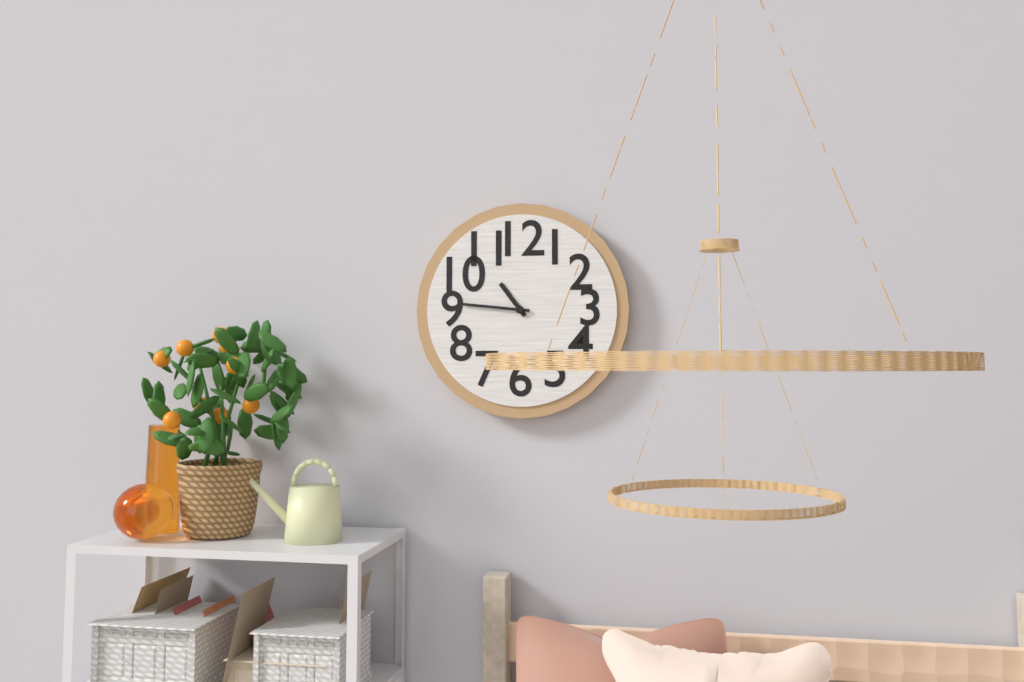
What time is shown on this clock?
10:46
